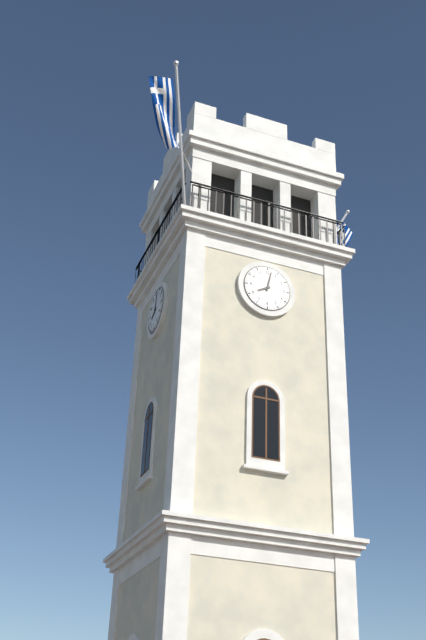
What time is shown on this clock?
8:02
